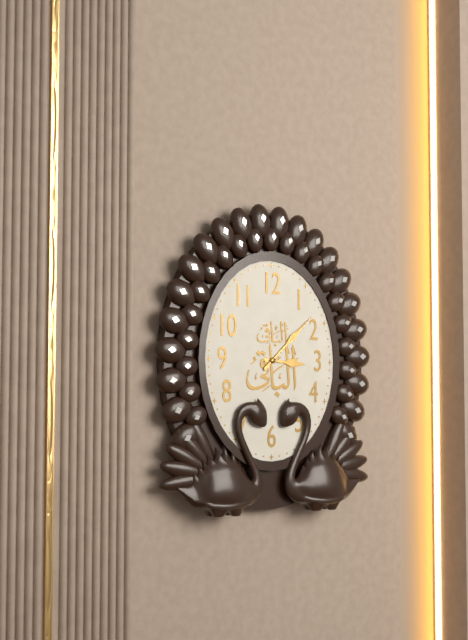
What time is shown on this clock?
3:08
